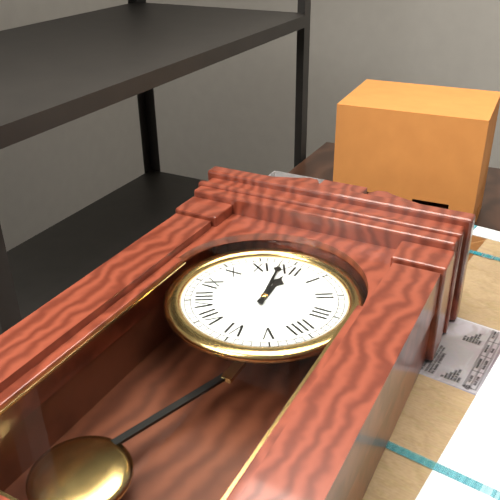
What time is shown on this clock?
11:58
